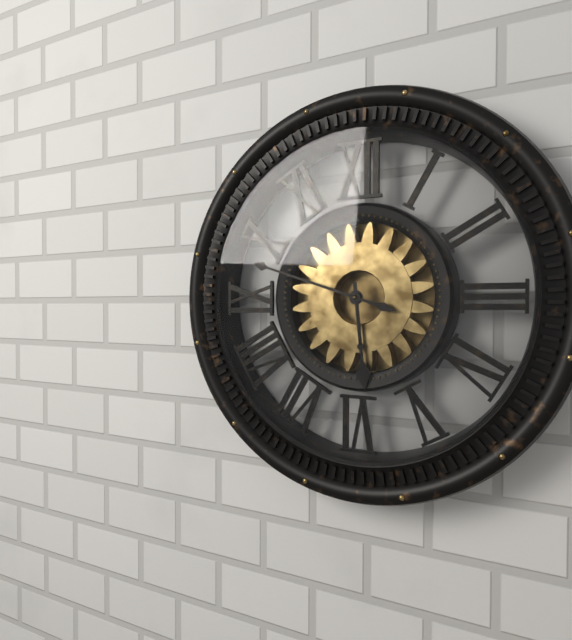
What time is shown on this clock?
5:48
